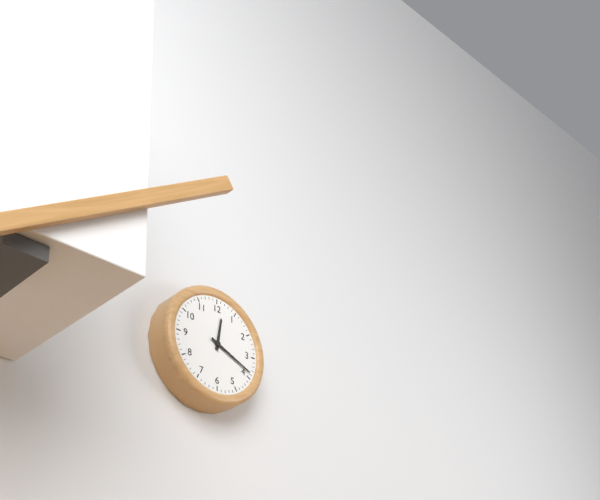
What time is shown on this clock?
12:19
